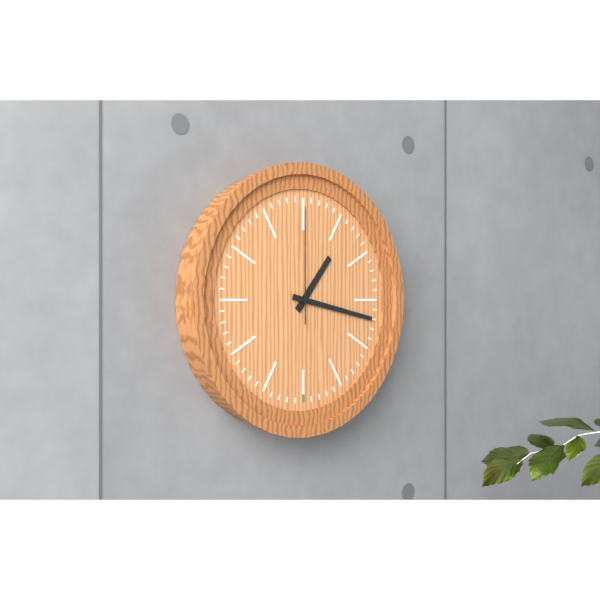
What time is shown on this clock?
1:17:00
